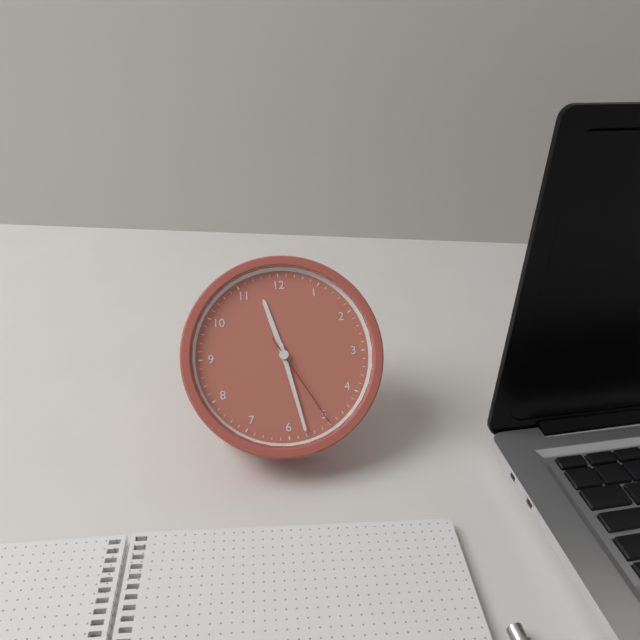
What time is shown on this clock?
11:28:25
